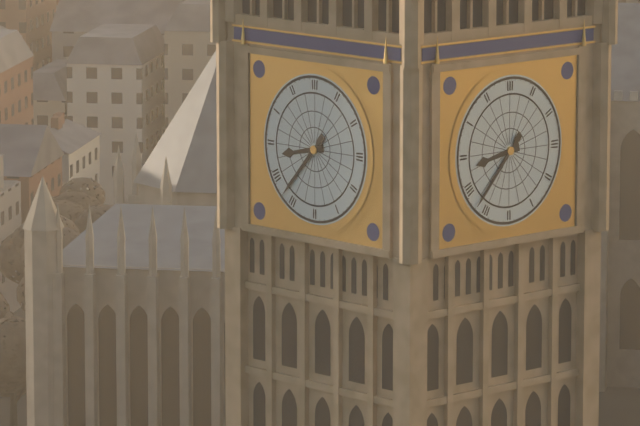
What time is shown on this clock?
8:37
